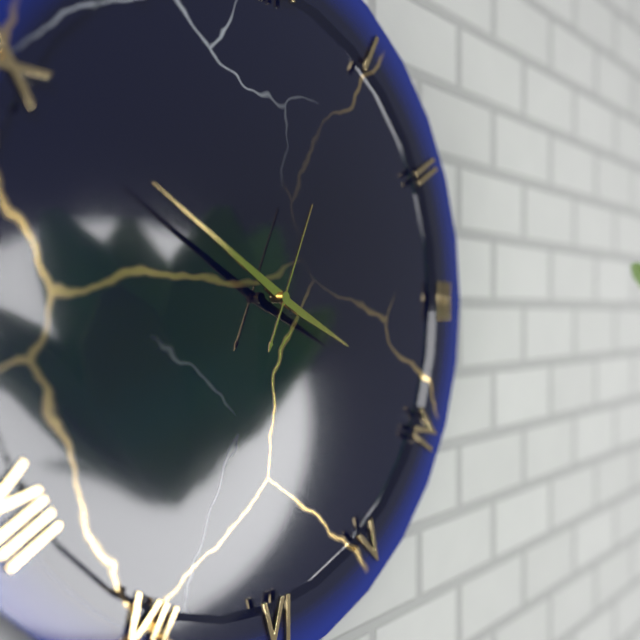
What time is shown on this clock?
3:50:04
